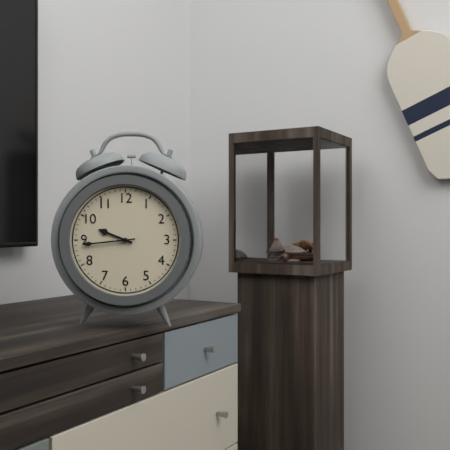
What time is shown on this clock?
9:44
